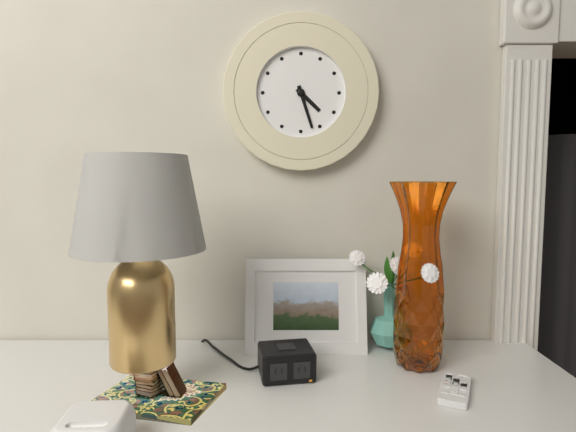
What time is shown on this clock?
4:27
